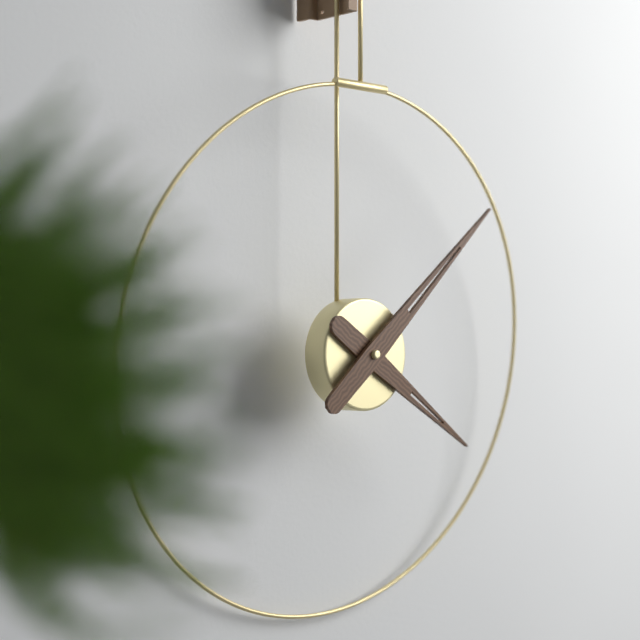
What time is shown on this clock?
4:08
